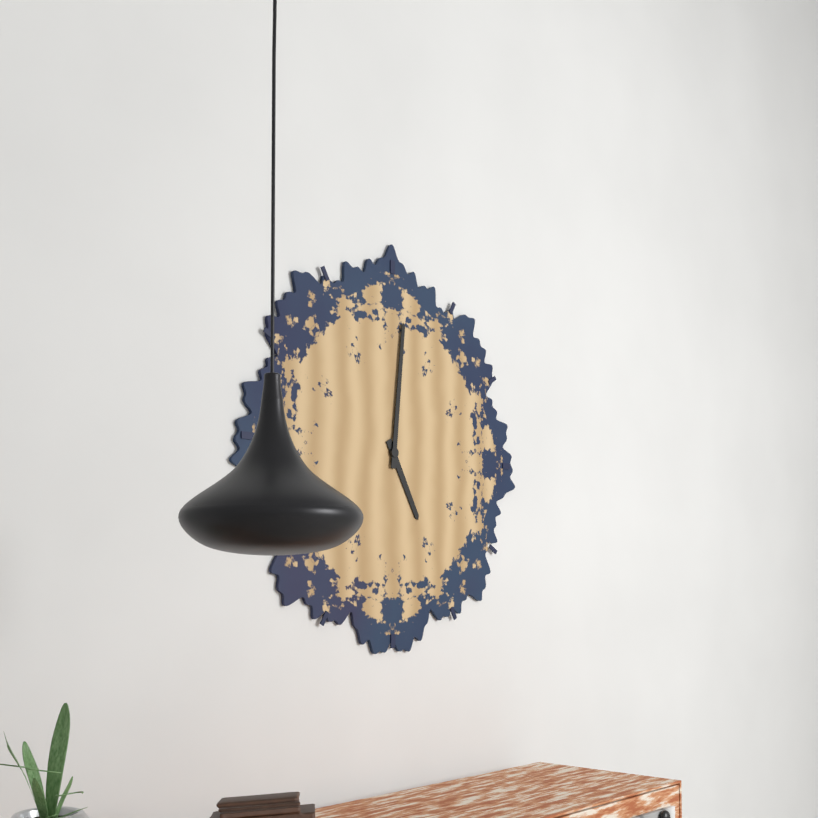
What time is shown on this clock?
5:01
